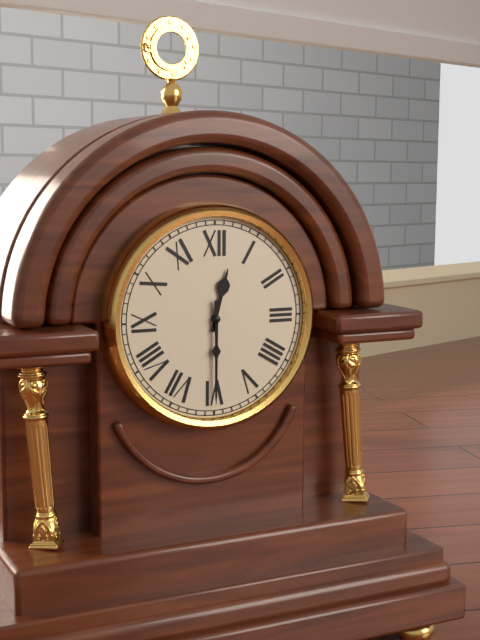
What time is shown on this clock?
12:30
